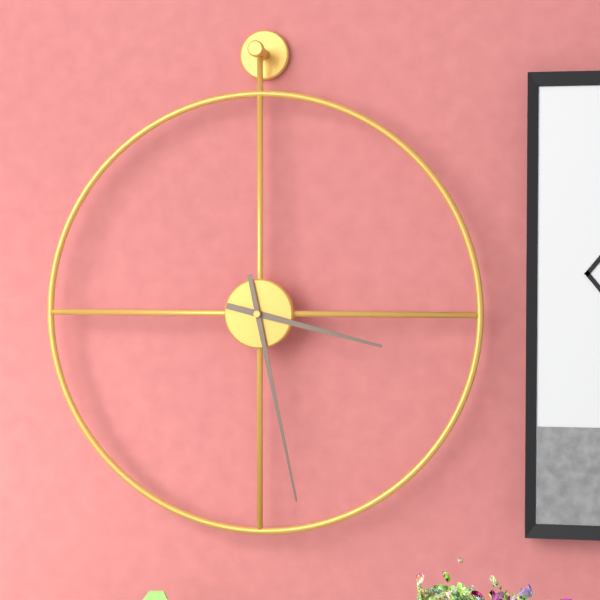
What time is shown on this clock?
3:28
